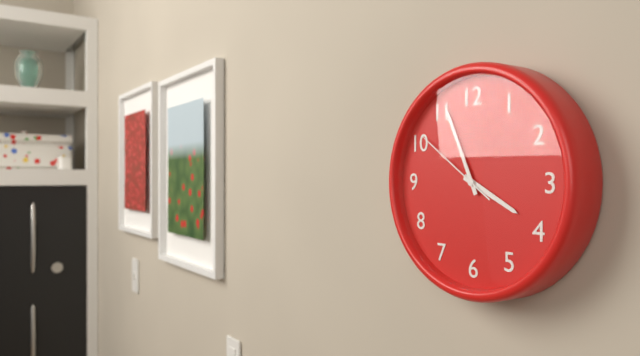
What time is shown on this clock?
3:56:51
